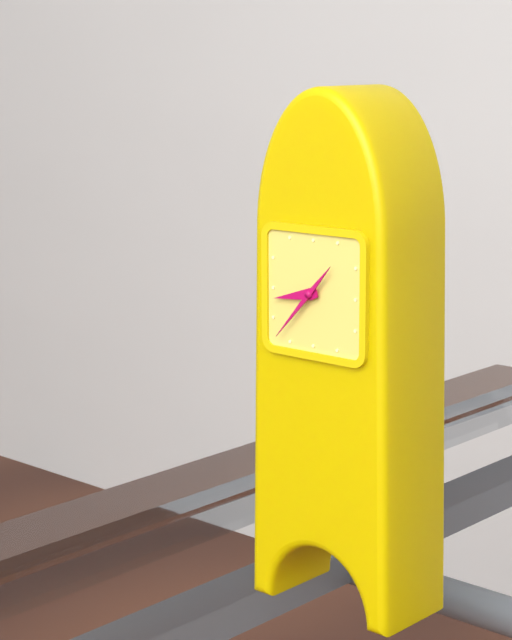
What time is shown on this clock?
8:37
